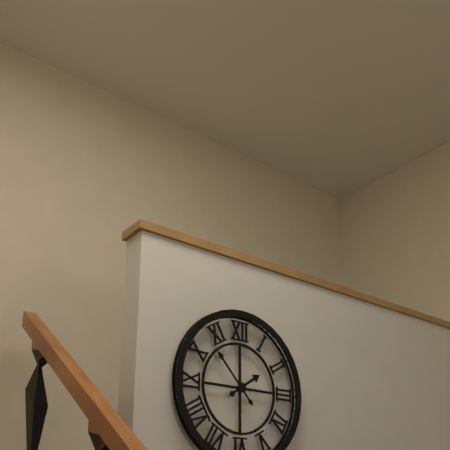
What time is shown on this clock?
1:53
